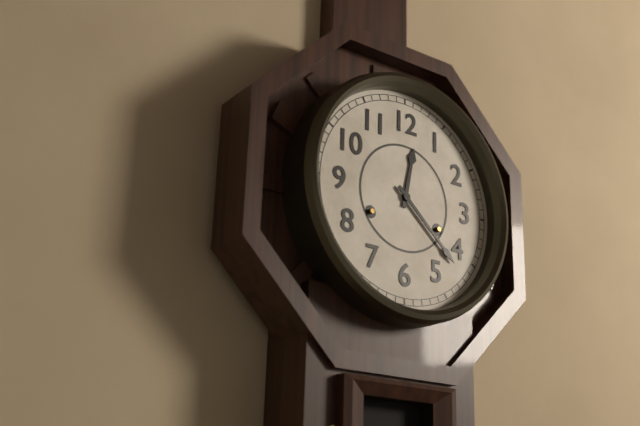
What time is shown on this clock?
12:22
